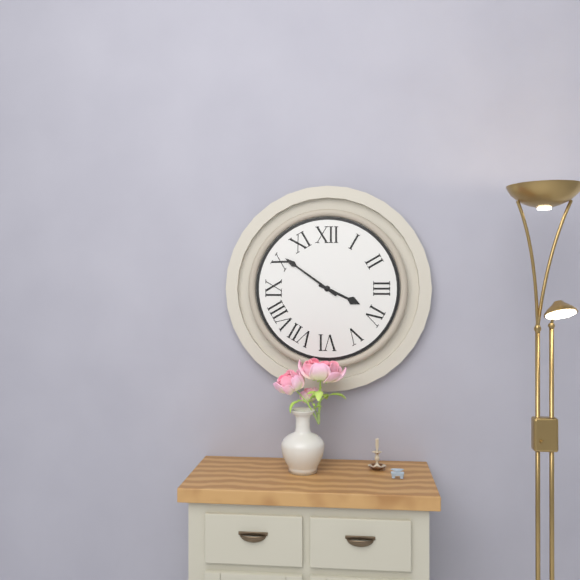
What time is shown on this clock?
3:51
